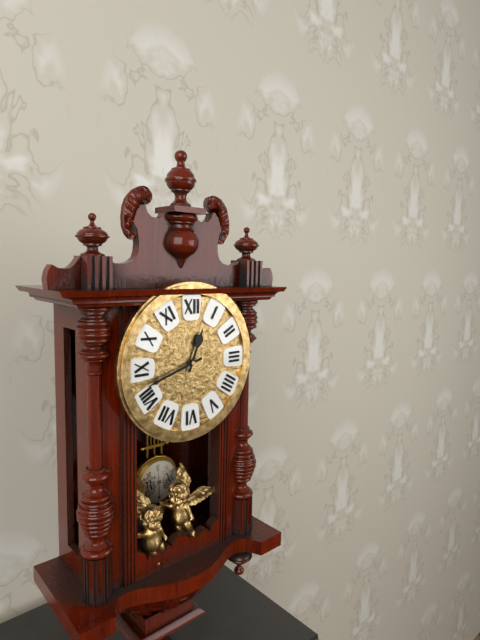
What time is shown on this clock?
12:42
